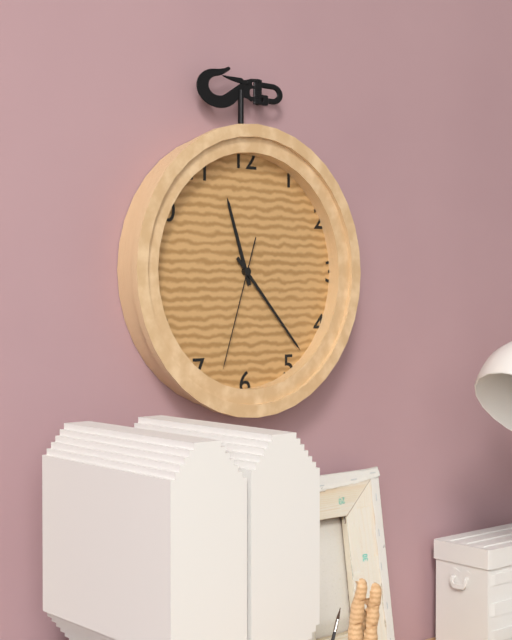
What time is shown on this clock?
11:23:33
